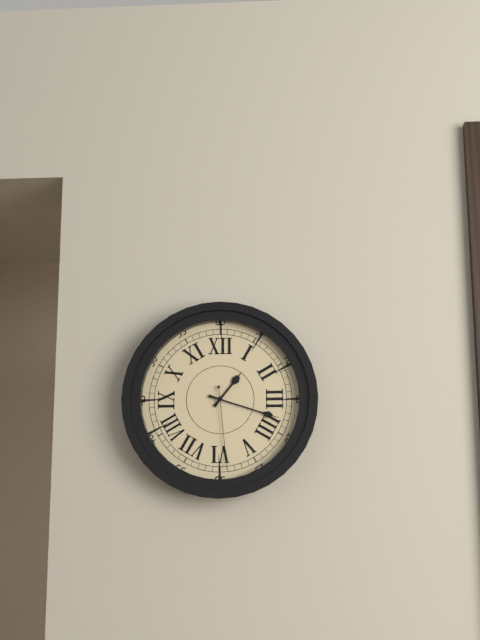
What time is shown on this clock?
1:18:29
